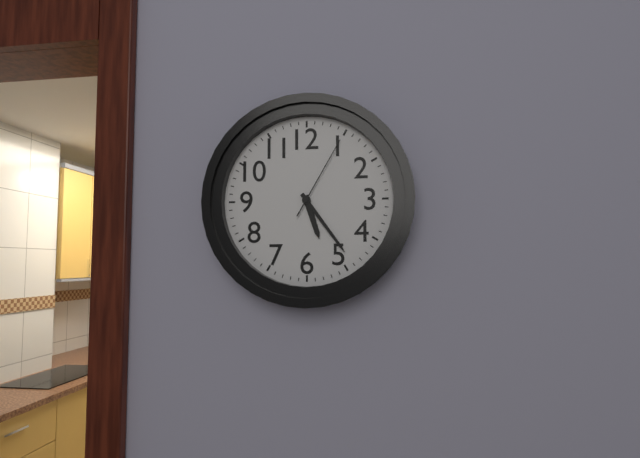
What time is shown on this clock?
5:24:05
